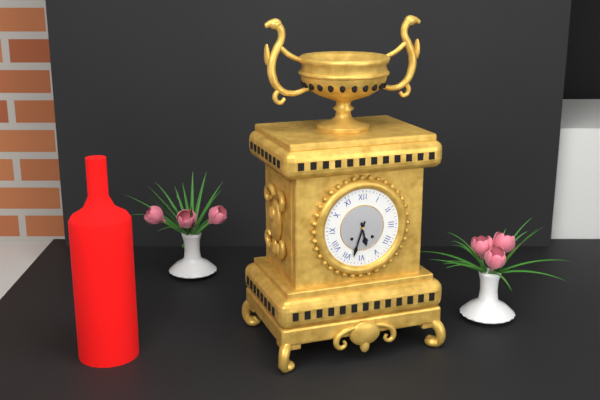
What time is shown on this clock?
5:33
